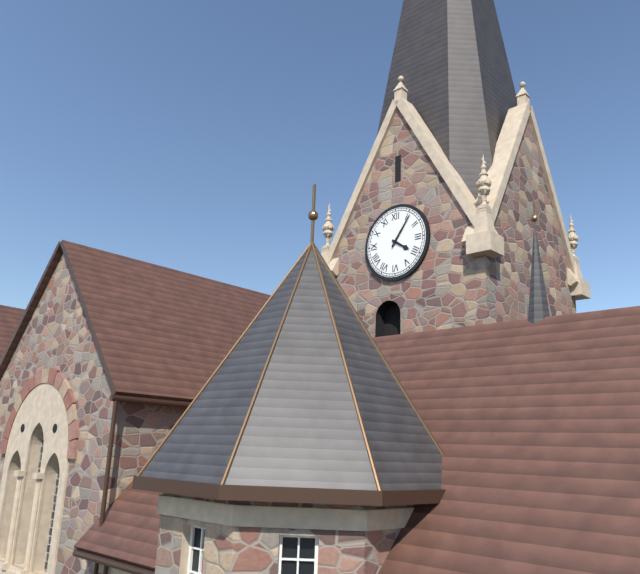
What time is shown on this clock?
4:06
